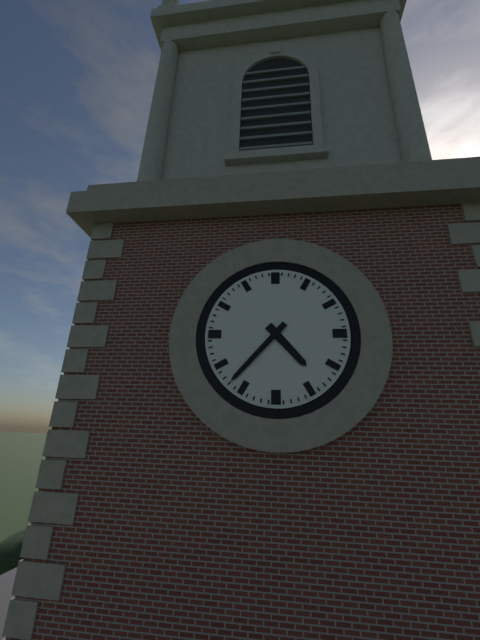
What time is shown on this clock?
4:37
